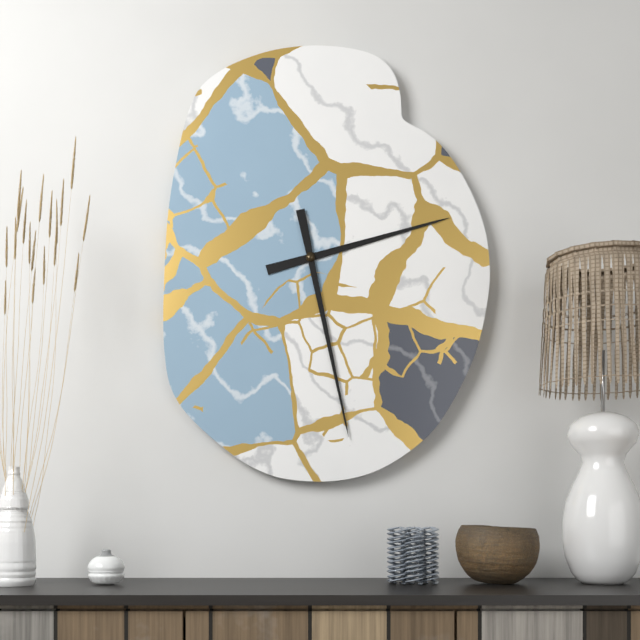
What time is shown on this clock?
2:28
